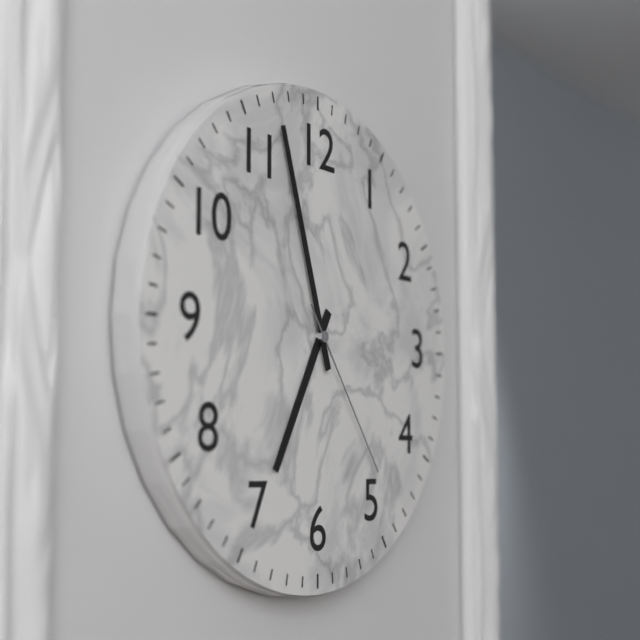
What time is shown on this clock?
6:57:24
